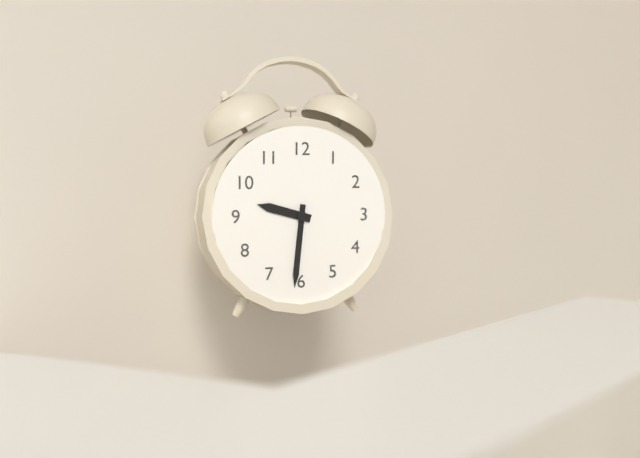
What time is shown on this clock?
9:31
